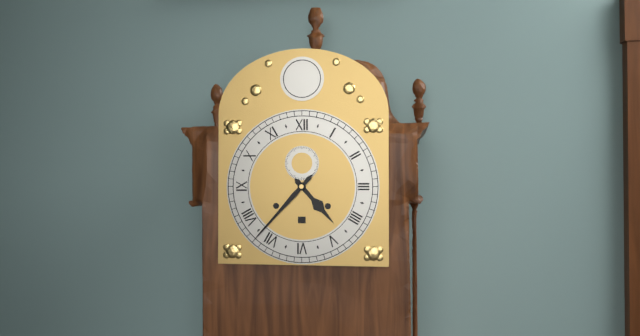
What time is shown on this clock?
4:37
